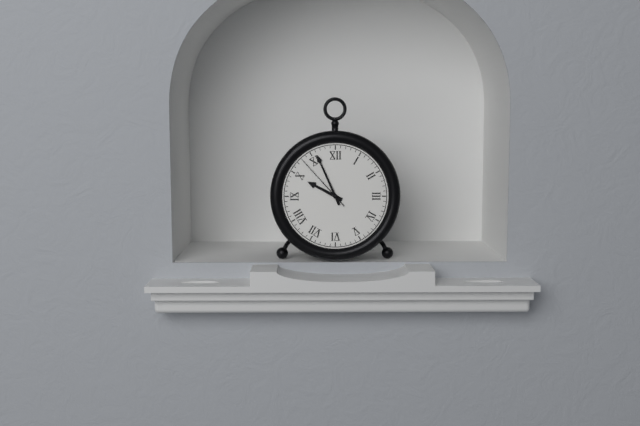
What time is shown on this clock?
9:56:53
